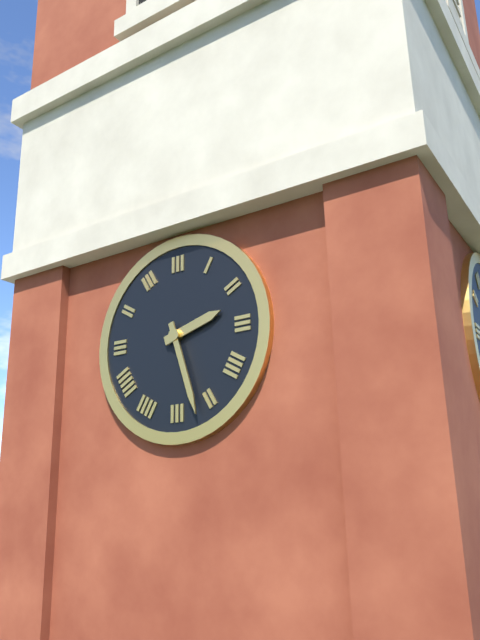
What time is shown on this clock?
2:27
